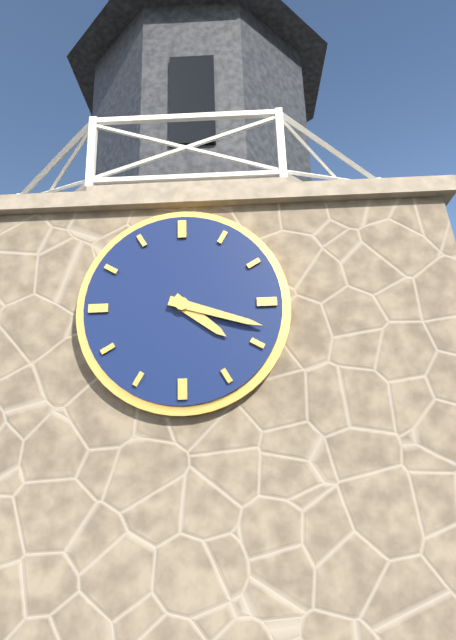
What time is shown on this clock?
4:18
